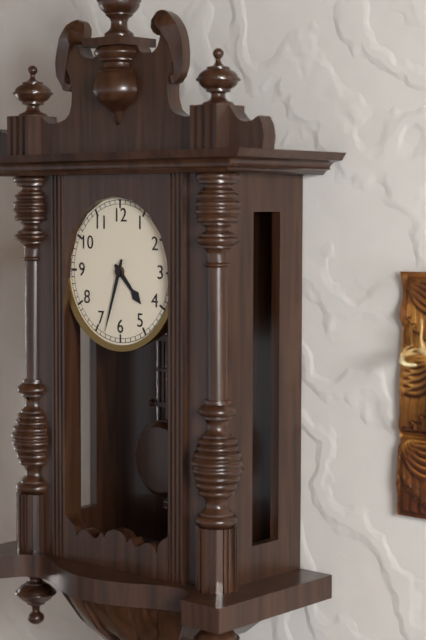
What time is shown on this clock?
4:33
